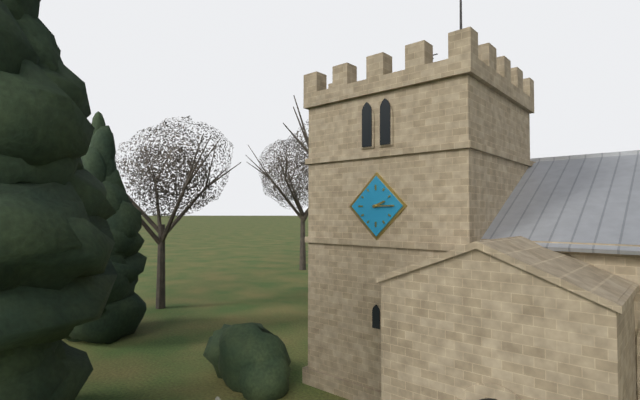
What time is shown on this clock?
2:15
